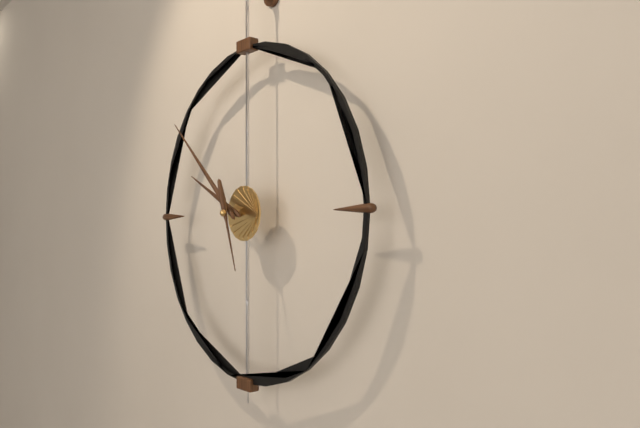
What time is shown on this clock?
9:52:27
